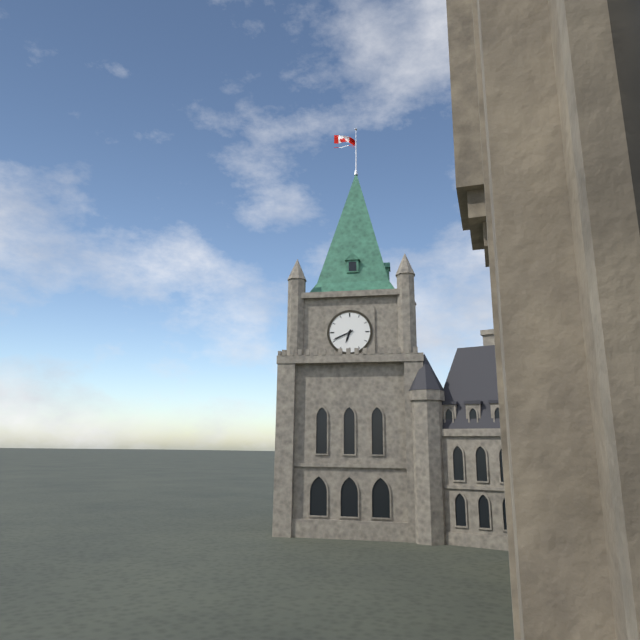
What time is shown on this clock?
6:41
